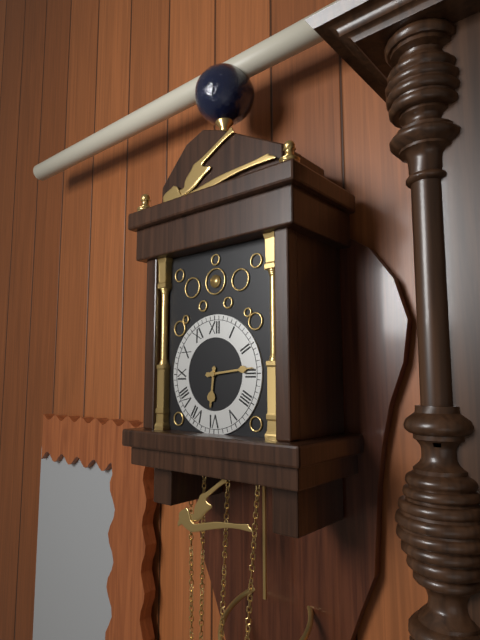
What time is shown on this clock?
6:14
